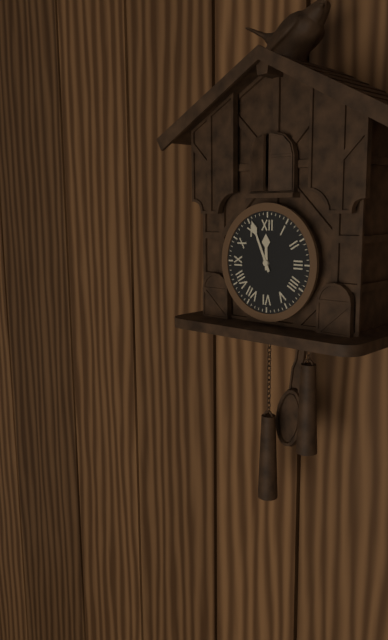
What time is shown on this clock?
11:56
